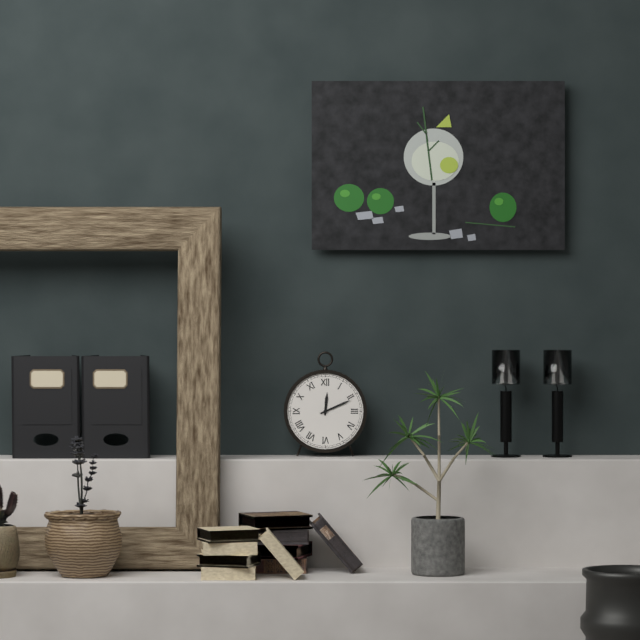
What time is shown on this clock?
12:11
